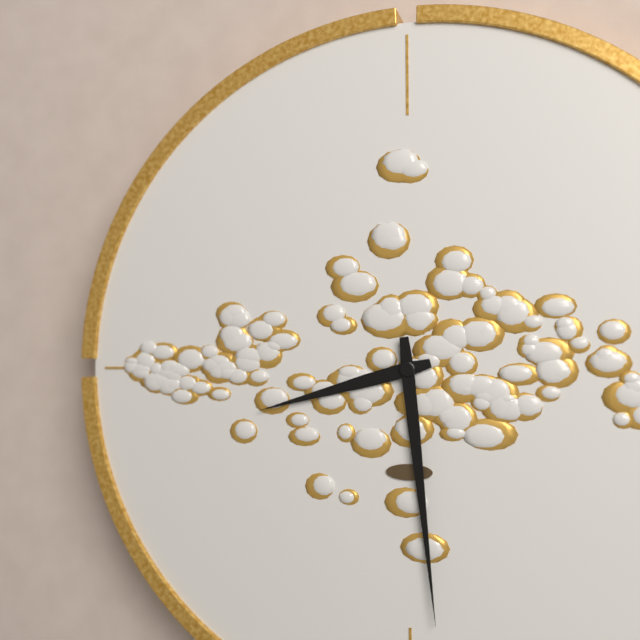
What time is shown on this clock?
8:29
